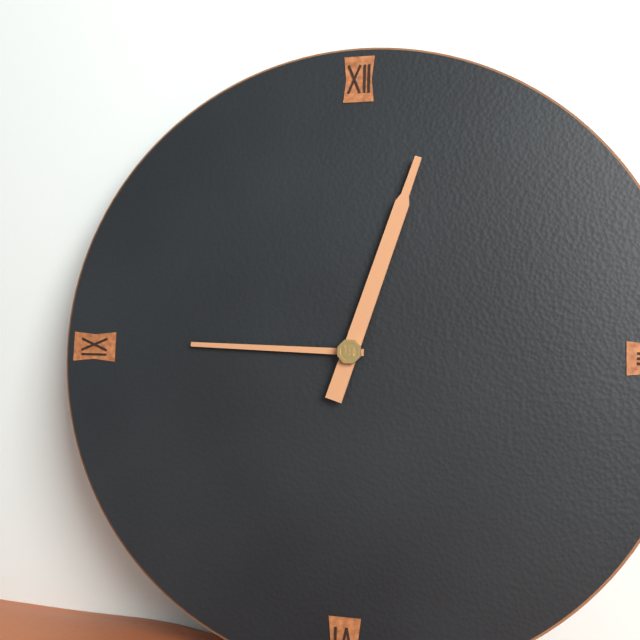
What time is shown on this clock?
9:03
